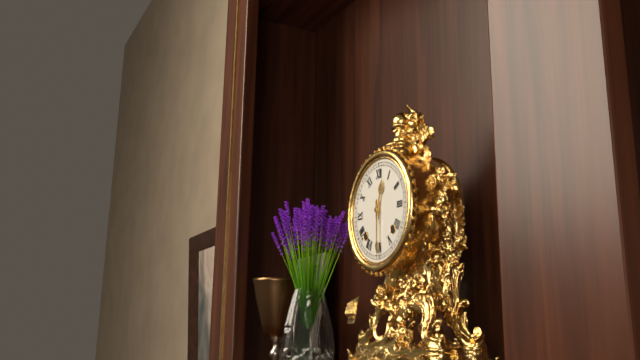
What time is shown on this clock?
12:30
